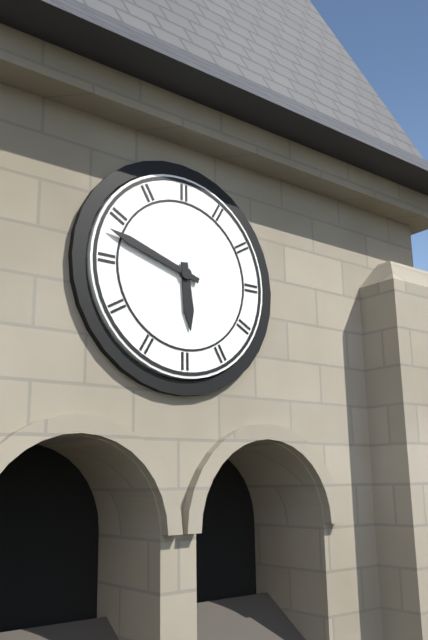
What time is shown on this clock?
5:48
